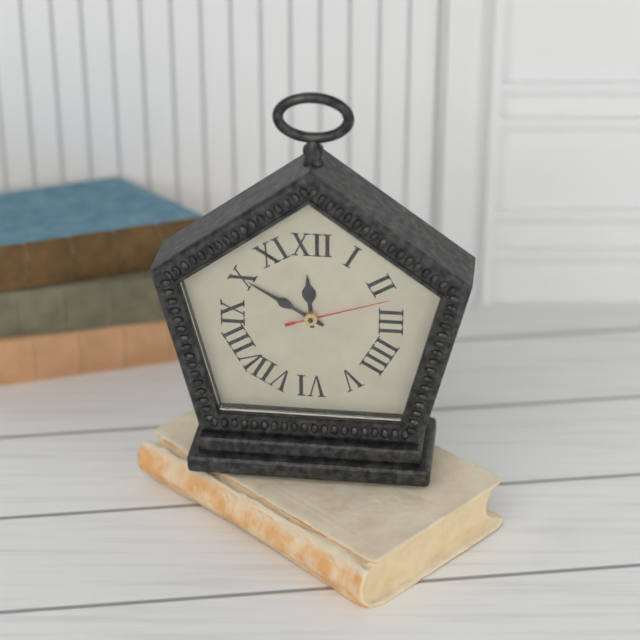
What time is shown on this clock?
11:50:12
